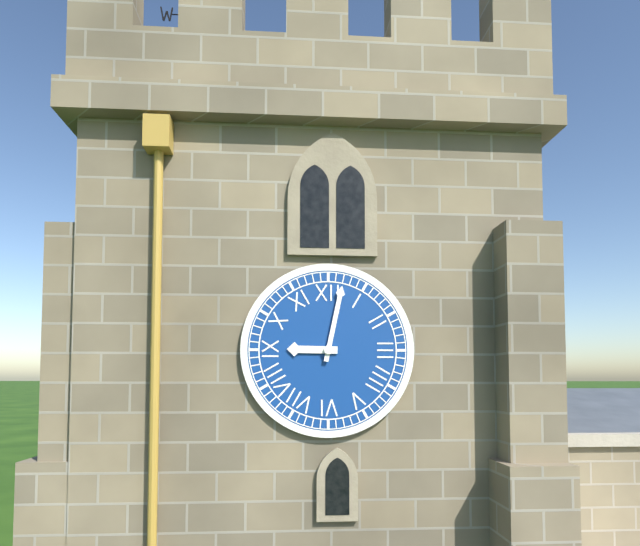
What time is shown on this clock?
9:02
